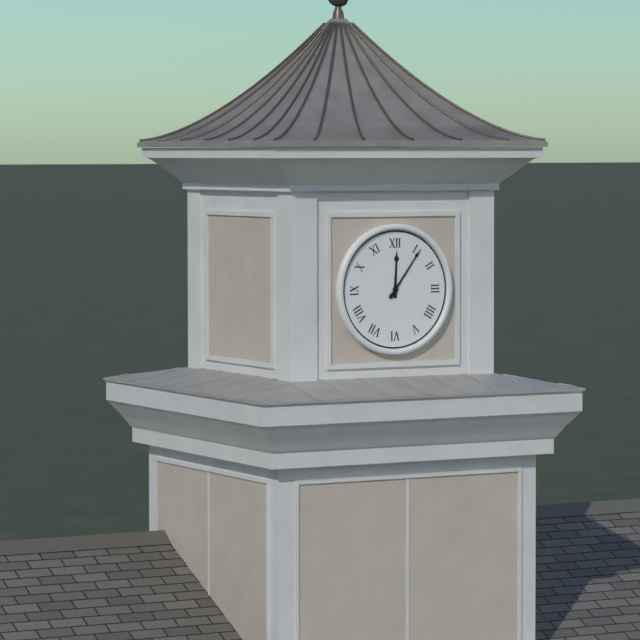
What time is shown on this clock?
12:06
